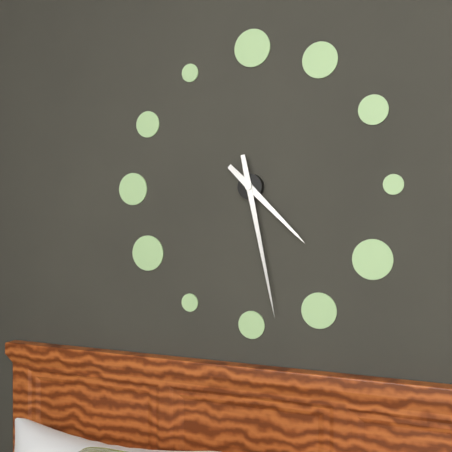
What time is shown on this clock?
4:28
